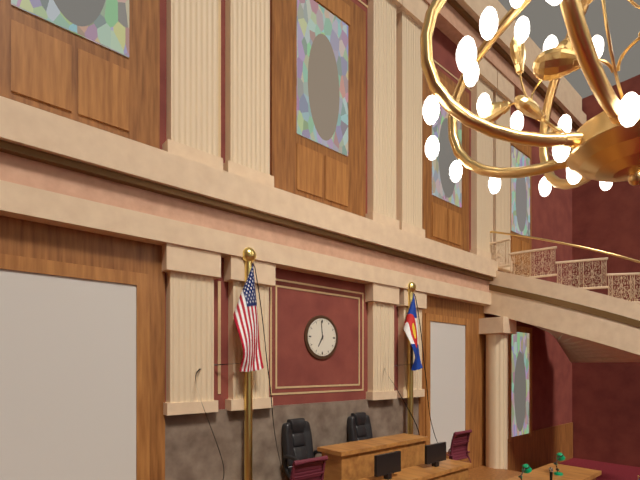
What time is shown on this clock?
6:59
